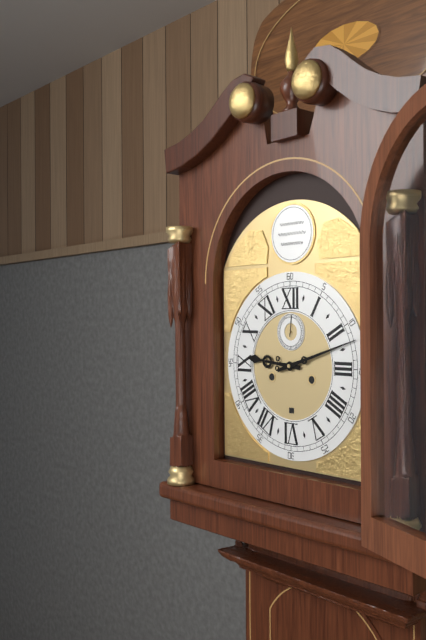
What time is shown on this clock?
9:12
